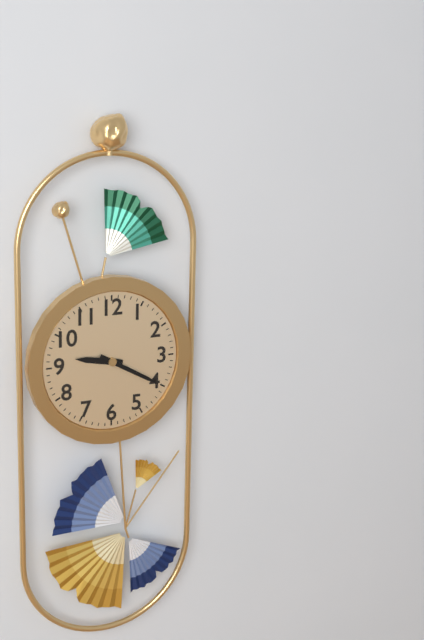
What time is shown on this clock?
9:20
